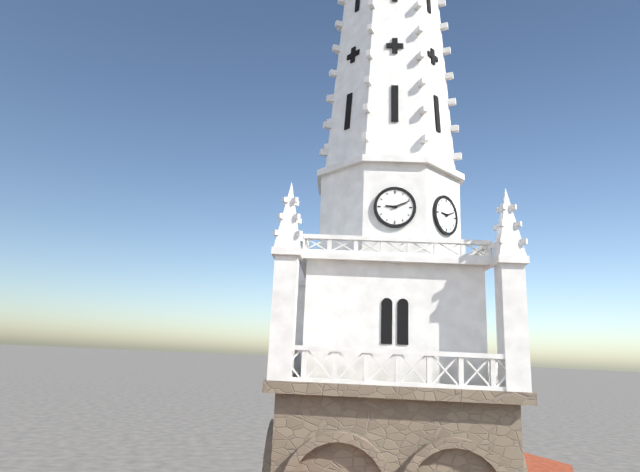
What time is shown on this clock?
9:11
